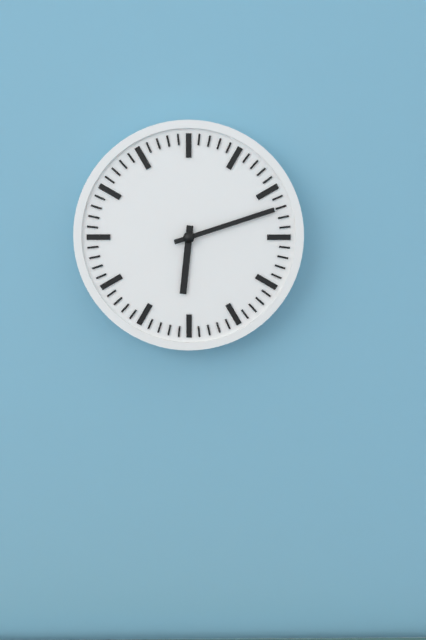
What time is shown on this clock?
6:12
